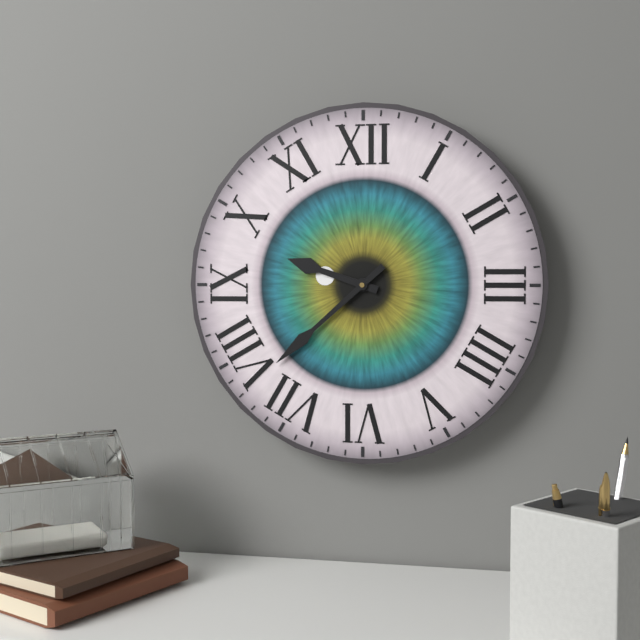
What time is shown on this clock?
9:38
